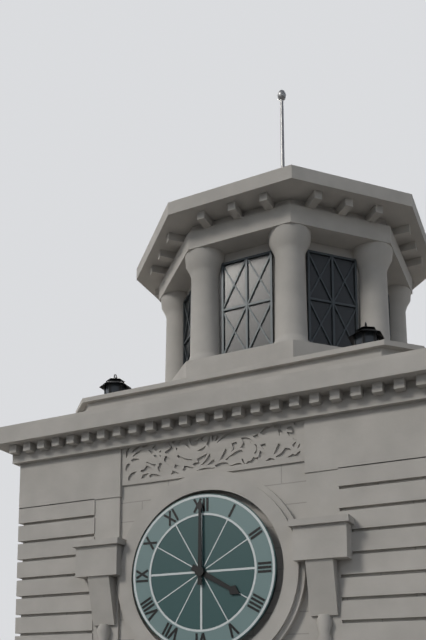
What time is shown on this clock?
4:00
